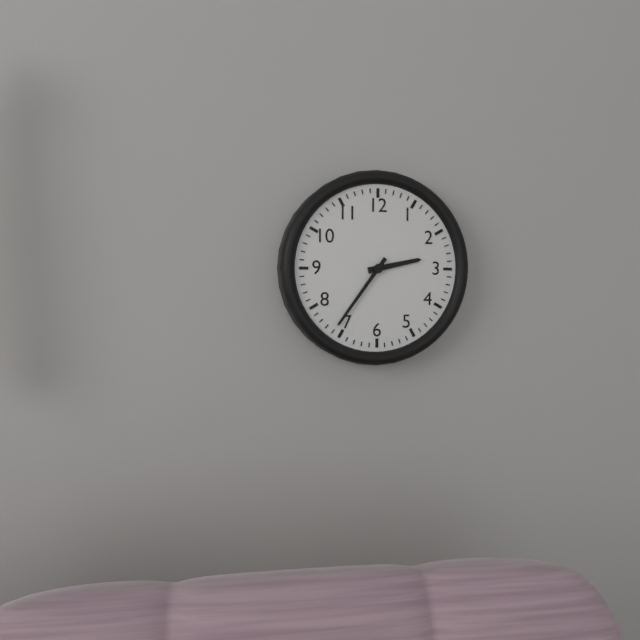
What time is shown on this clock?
2:36
